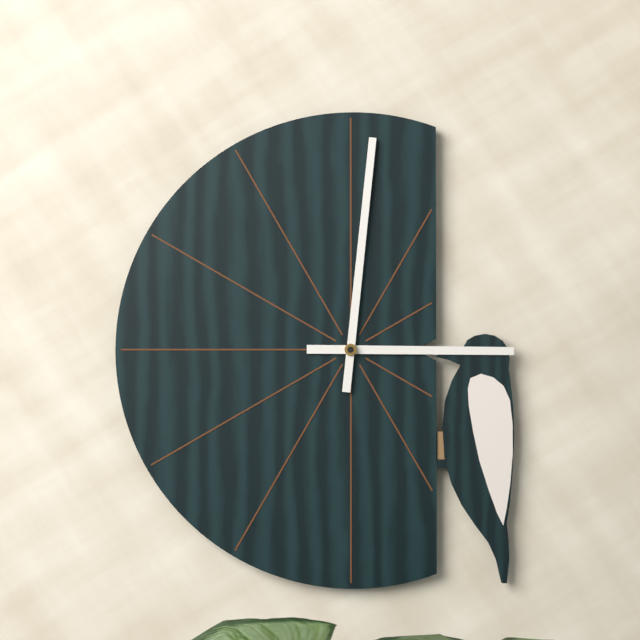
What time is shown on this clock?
3:01
